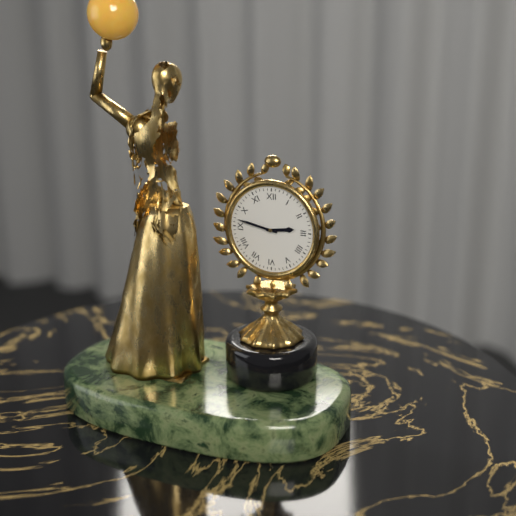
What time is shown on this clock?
2:47
